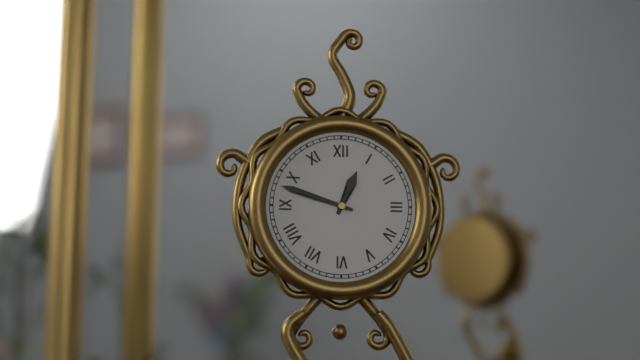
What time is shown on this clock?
12:48
